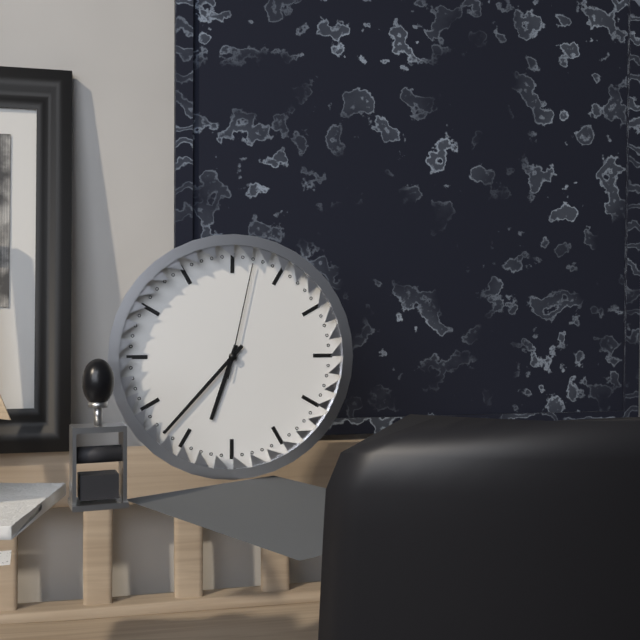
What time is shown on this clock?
6:37:02
